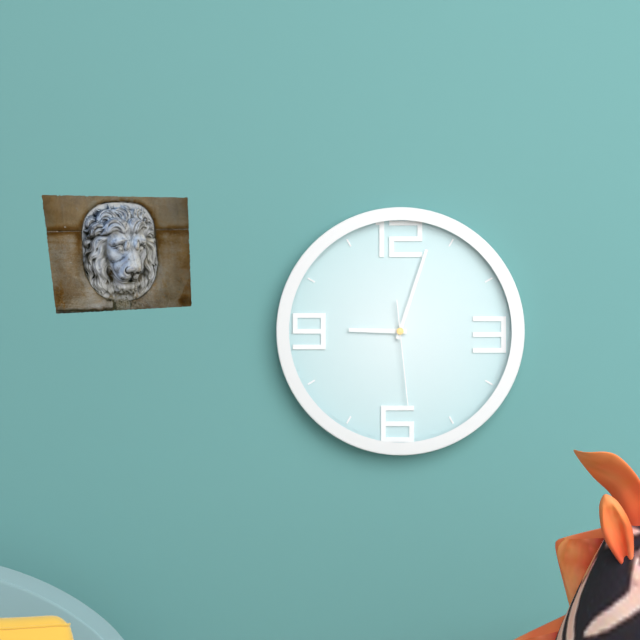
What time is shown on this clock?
9:03:29
